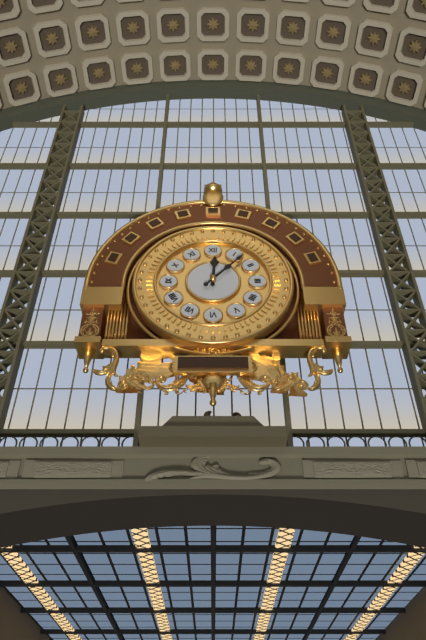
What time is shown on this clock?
12:07
